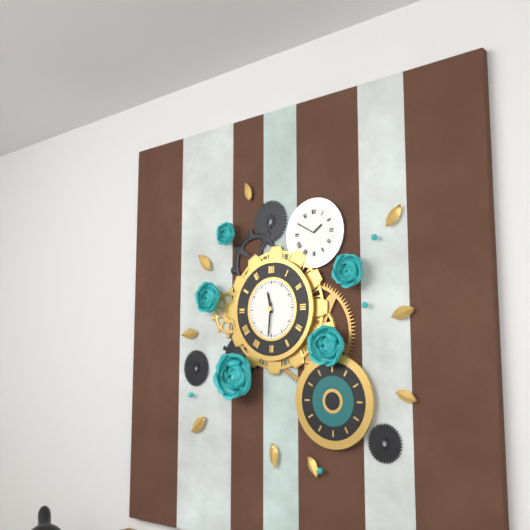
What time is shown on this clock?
11:31
